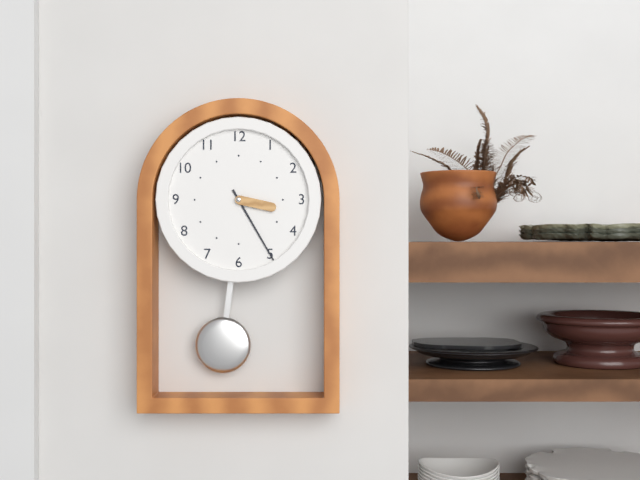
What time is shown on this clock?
3:25
